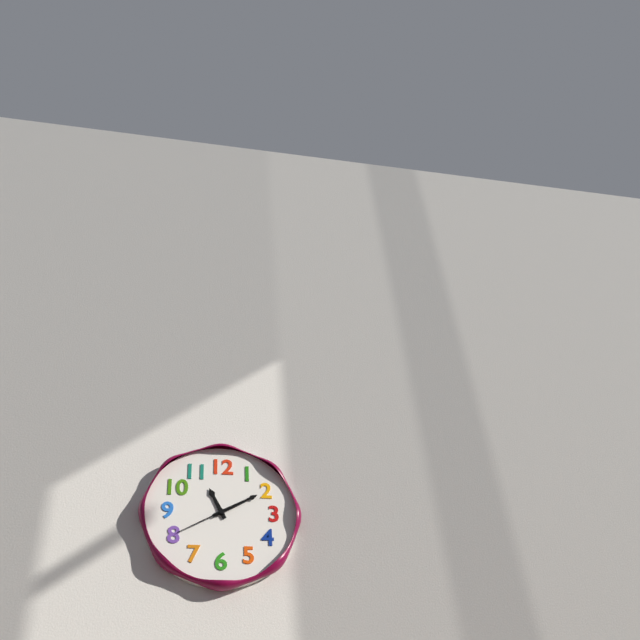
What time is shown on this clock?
11:10:40
